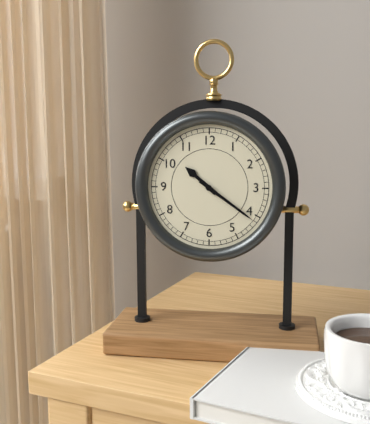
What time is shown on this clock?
10:21
